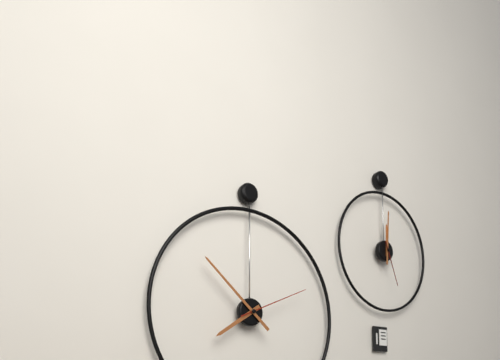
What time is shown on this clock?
7:52:11
